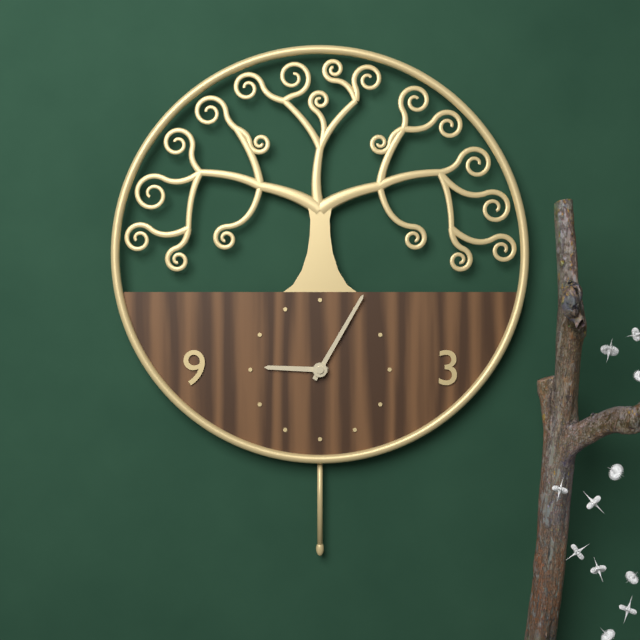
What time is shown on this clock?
9:05
